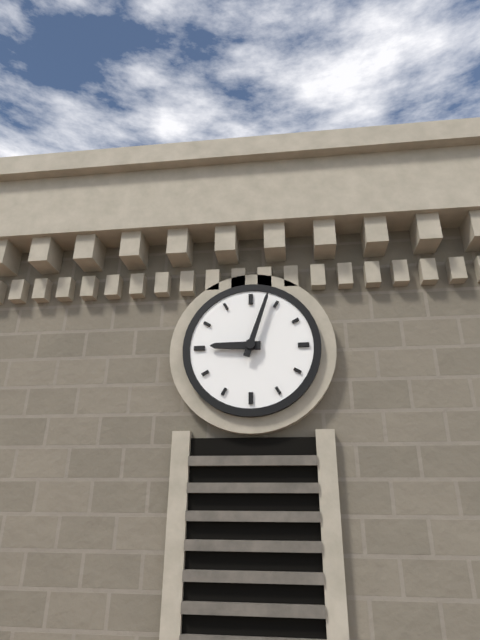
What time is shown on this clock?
9:03
